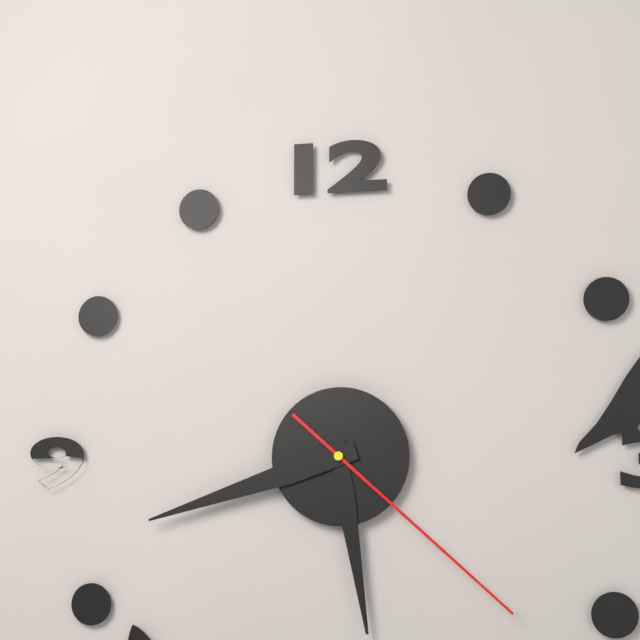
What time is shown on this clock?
5:42:22
